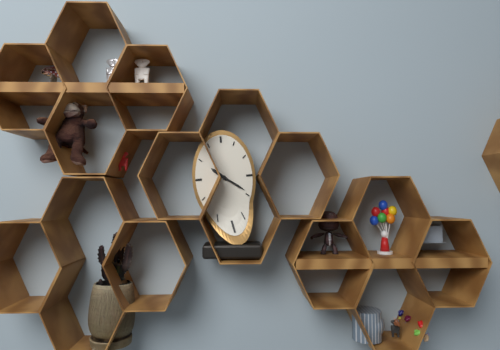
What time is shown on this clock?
10:21
